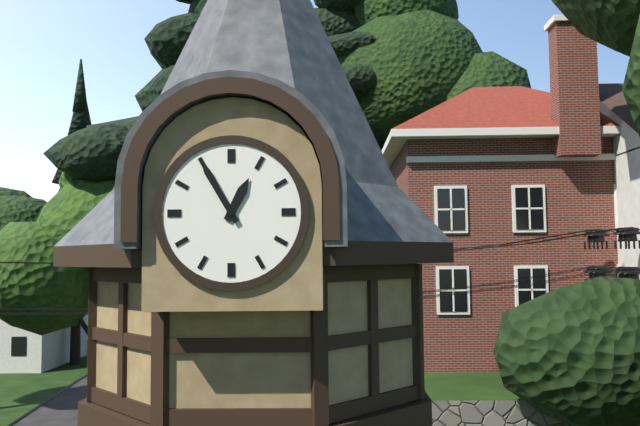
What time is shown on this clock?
12:55
